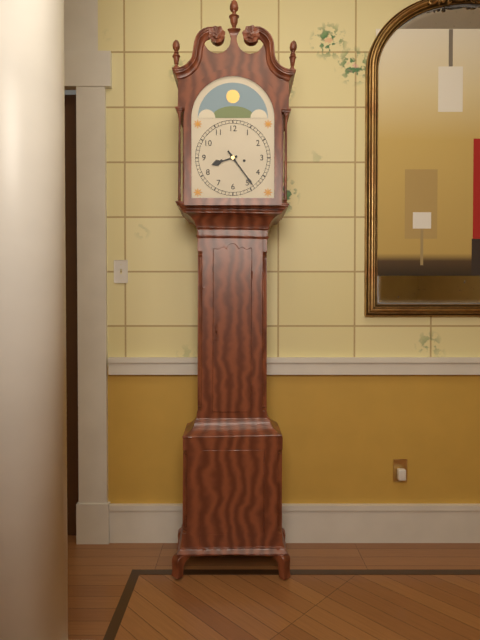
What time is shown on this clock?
8:24
